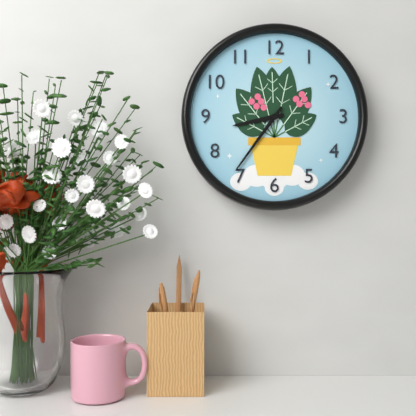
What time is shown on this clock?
8:36
